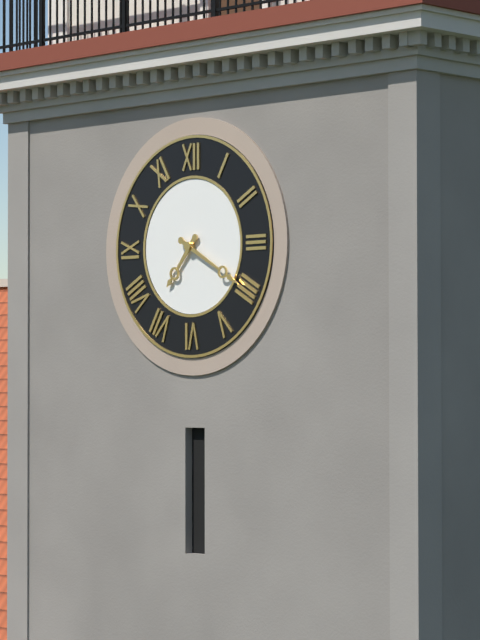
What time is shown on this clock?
7:20
